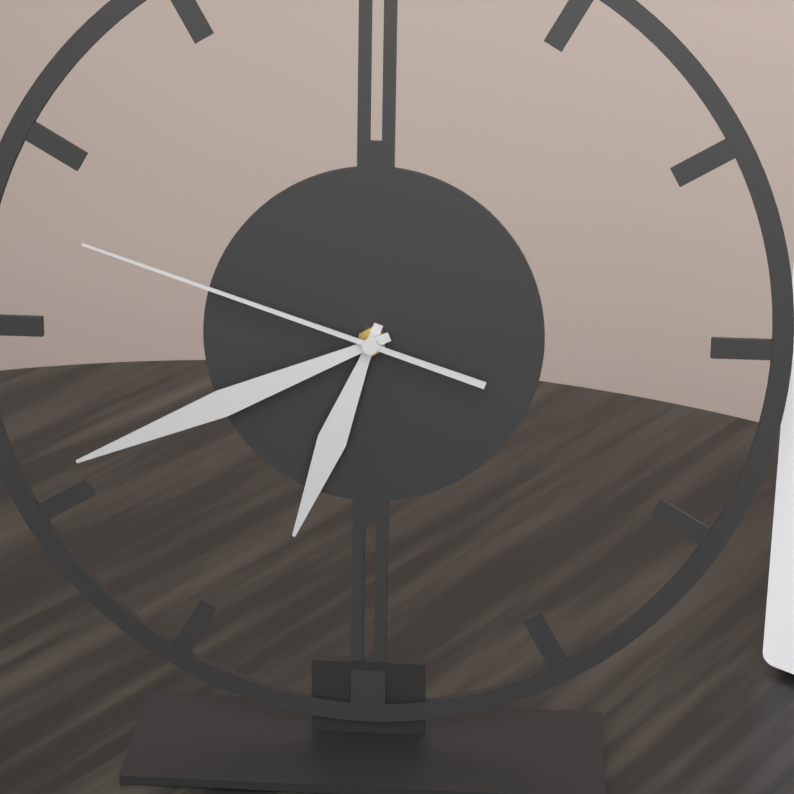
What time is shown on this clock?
6:41:48
